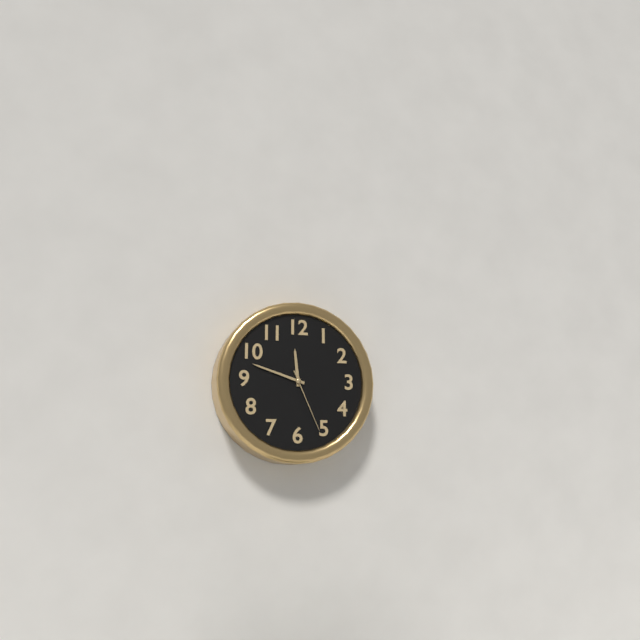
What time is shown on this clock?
11:48:26
